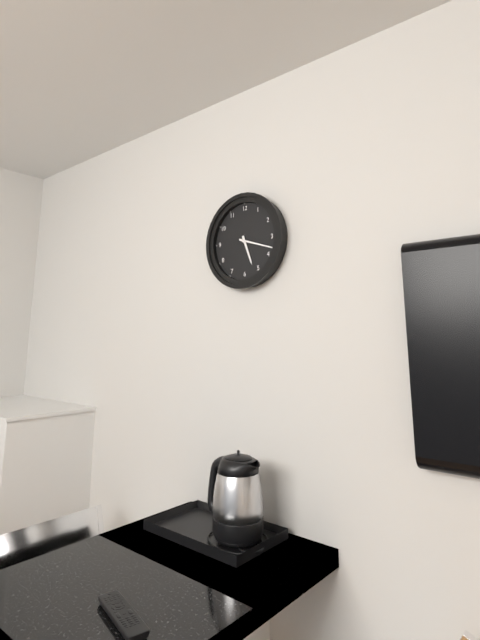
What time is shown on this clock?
5:18
